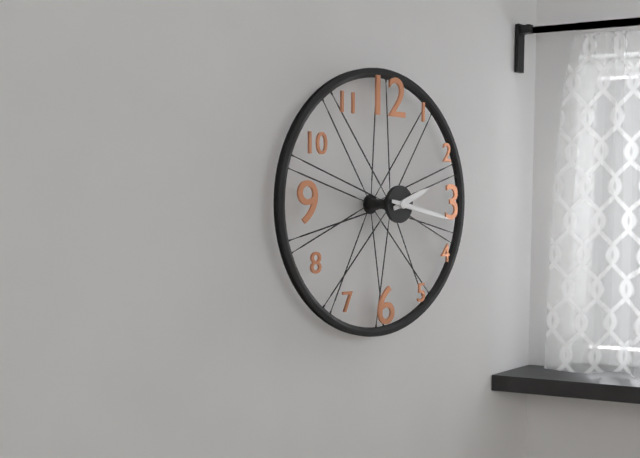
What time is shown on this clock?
2:17
